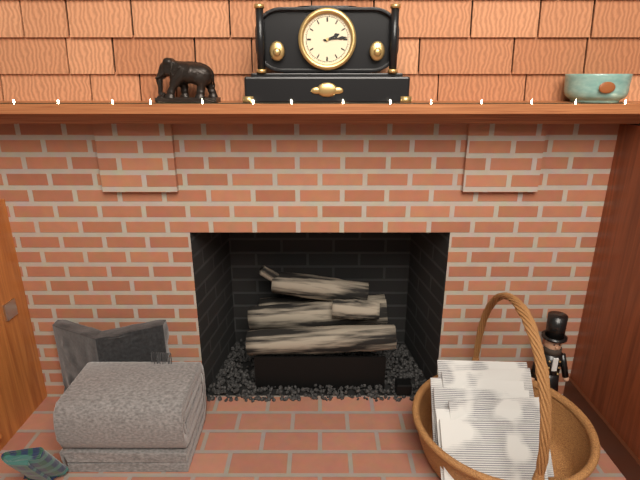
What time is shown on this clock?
2:14
